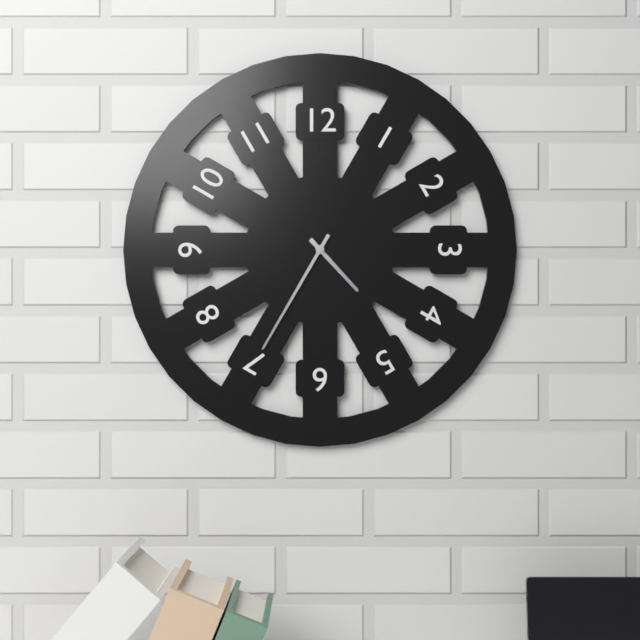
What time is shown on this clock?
4:35
